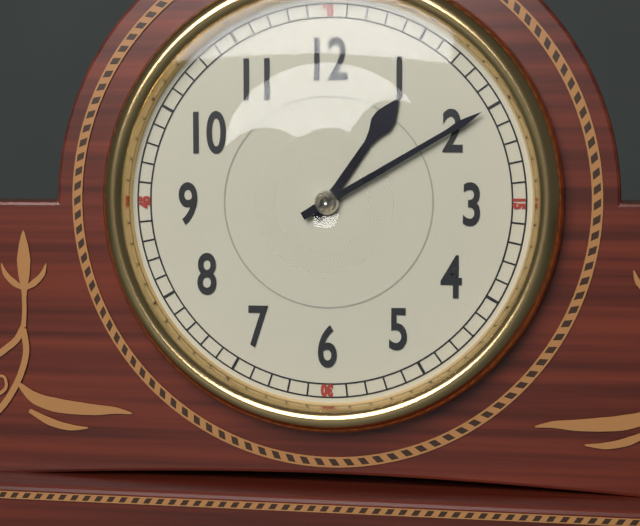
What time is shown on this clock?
1:10
